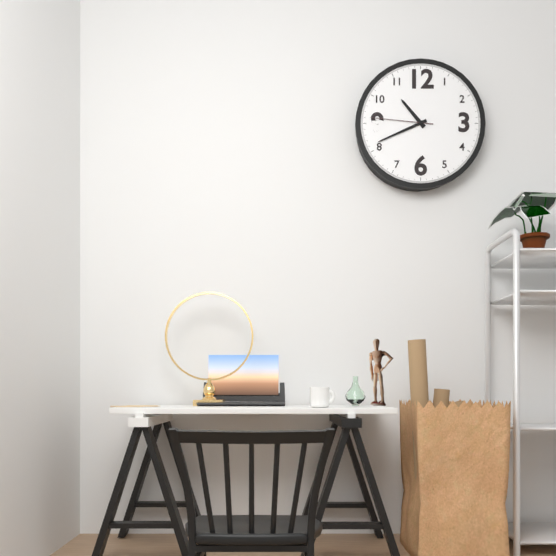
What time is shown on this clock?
10:41:46
